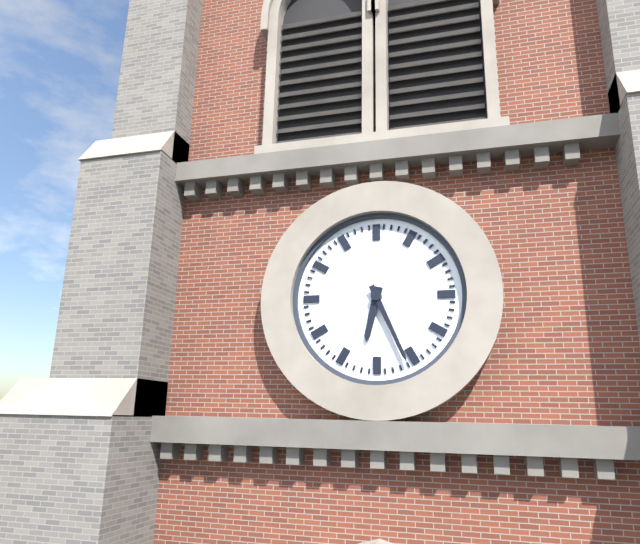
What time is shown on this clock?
6:26
